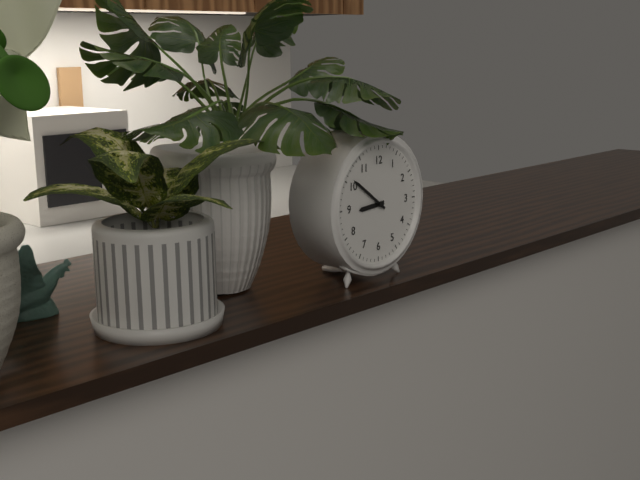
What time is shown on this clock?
8:51
